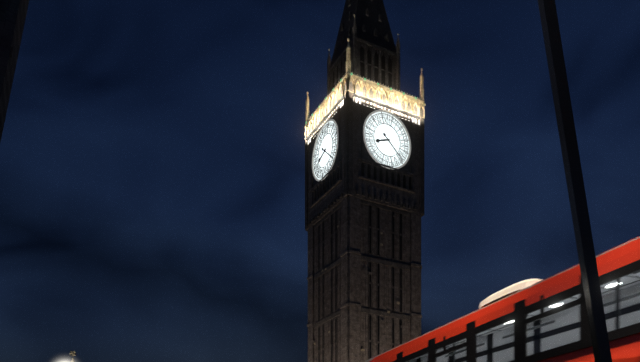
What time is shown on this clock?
8:22
